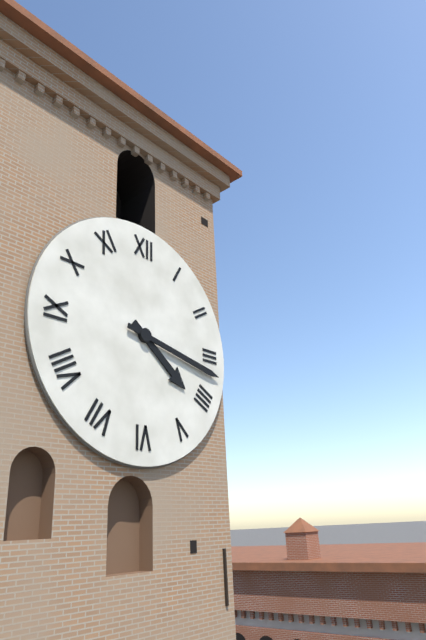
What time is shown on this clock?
4:17
